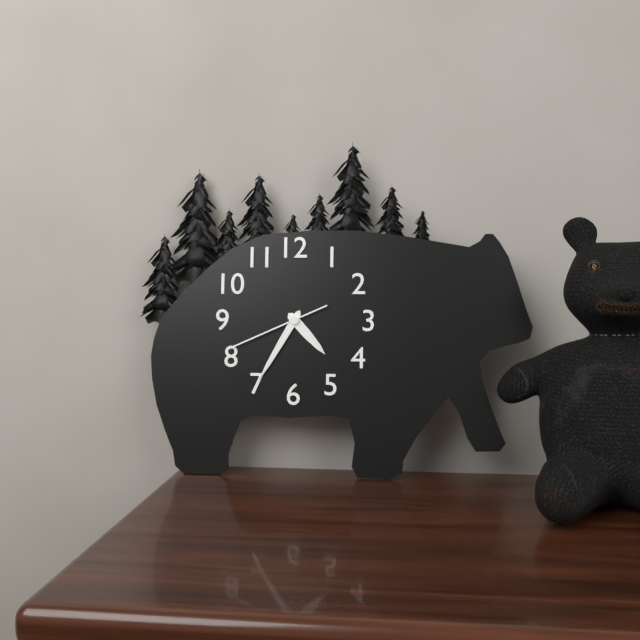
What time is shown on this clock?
4:35:41
